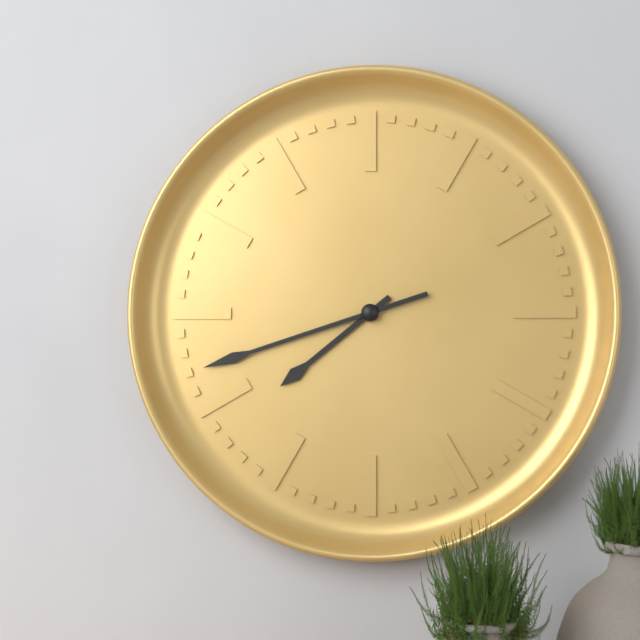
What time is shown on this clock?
7:42
